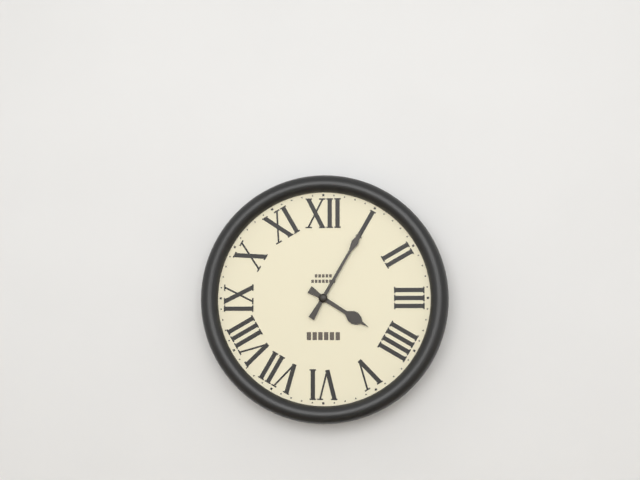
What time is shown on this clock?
4:05
